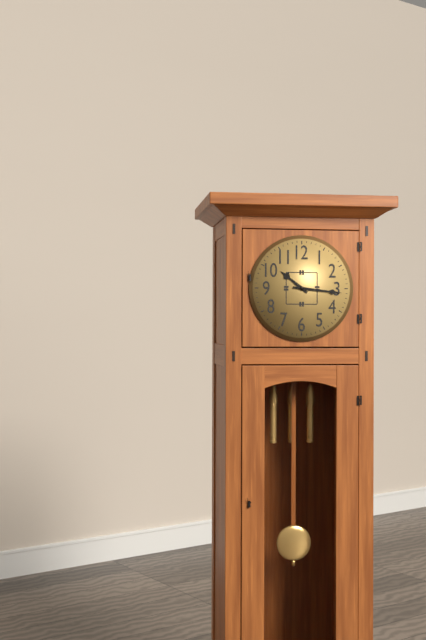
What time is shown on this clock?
10:16
